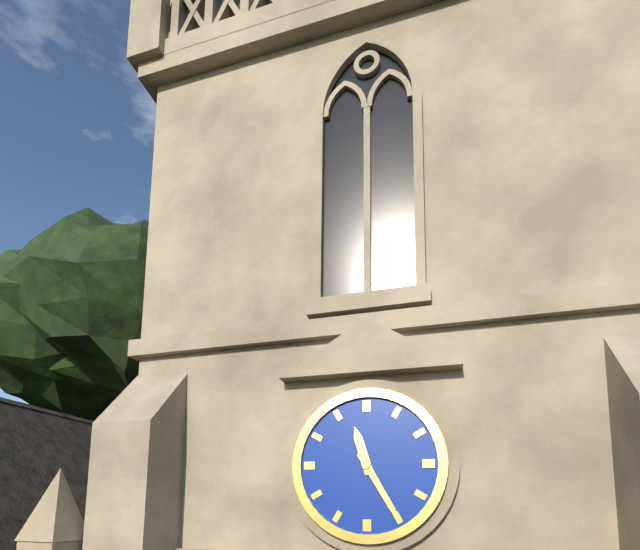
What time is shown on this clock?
11:25
